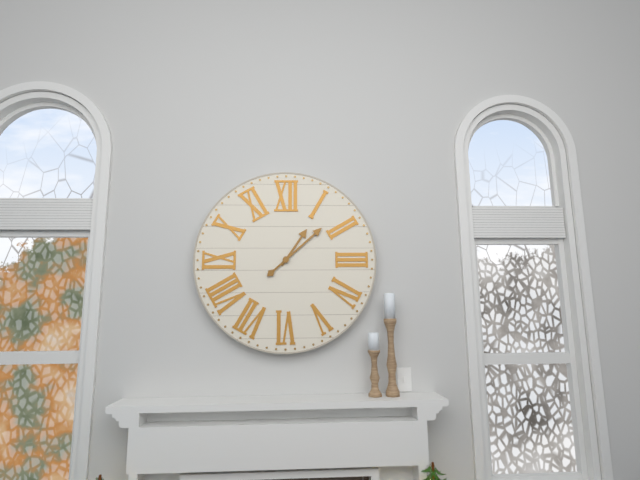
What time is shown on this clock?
1:08
